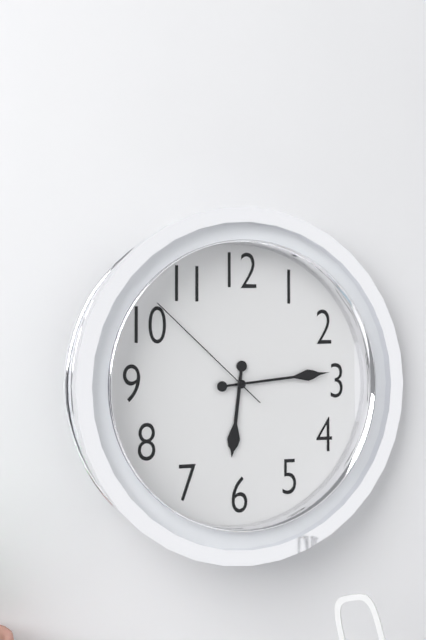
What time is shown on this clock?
6:14:52
